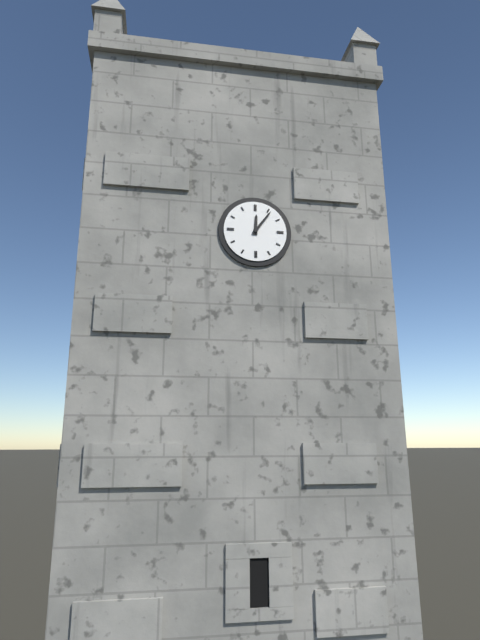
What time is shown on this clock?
12:06
